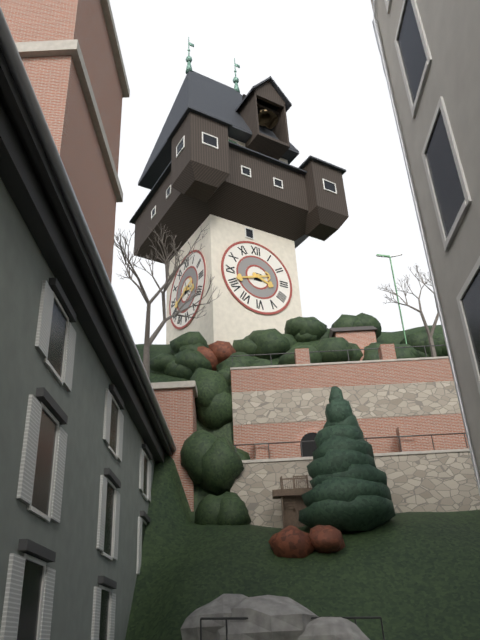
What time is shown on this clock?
3:42
